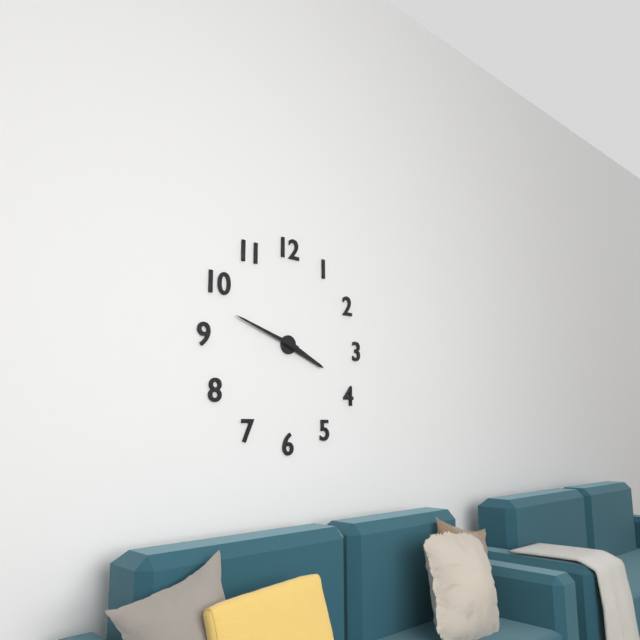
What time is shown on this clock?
3:48
